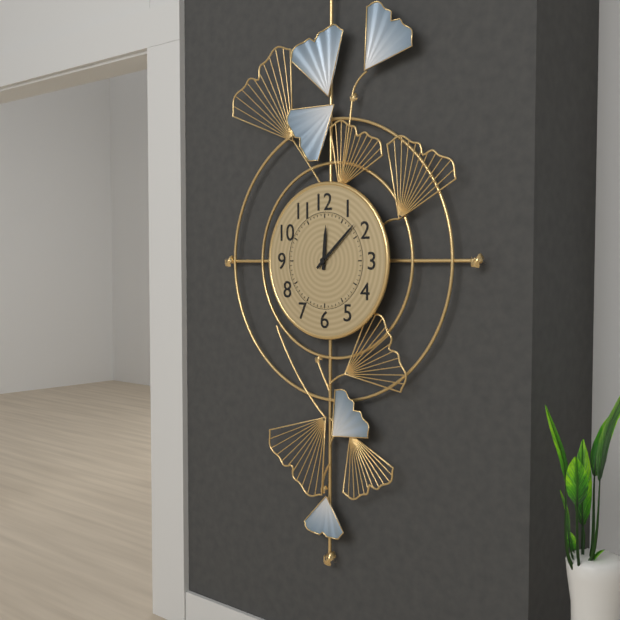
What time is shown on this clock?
12:08
